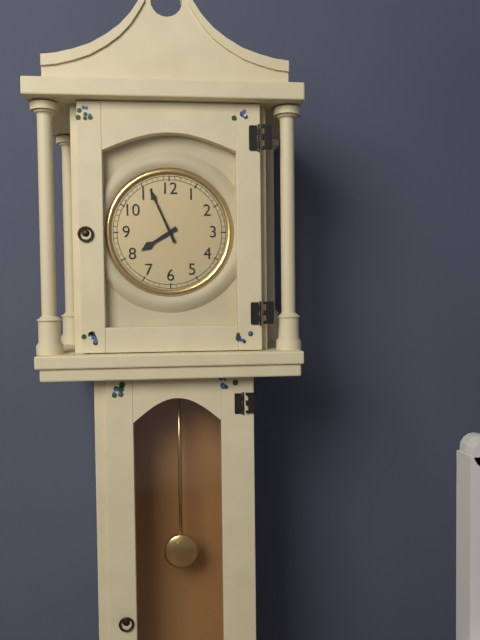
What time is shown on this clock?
7:56
